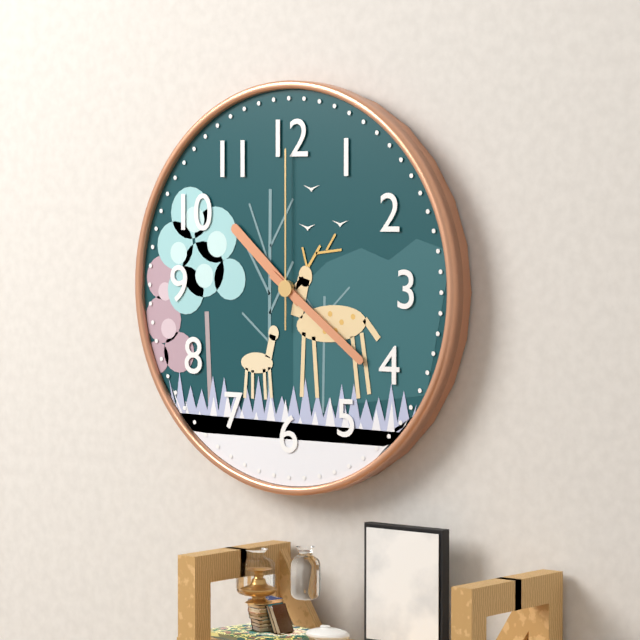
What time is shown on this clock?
10:21:00
